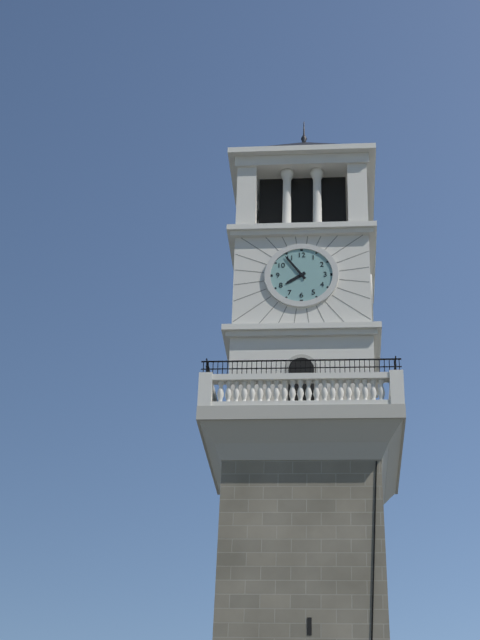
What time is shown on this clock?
7:54
